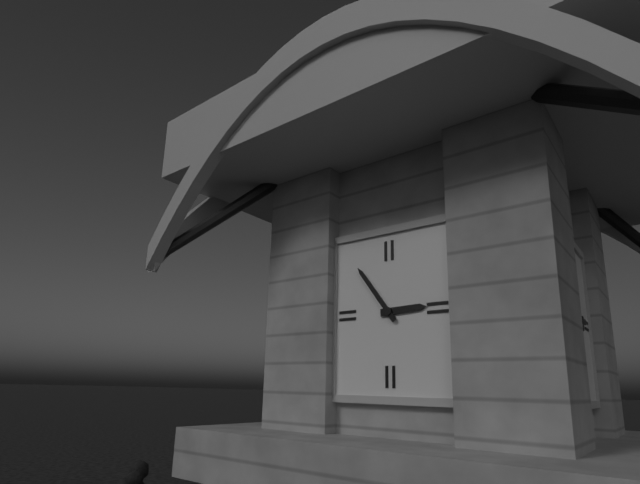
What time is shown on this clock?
2:54
